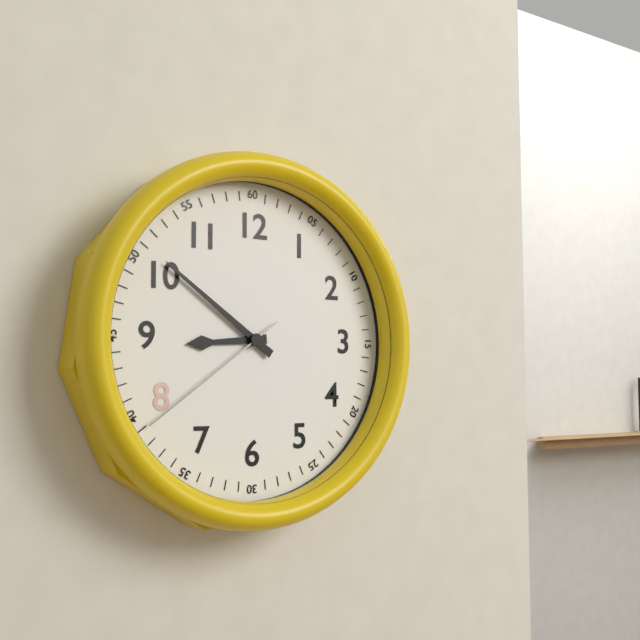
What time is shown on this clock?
8:51:39
